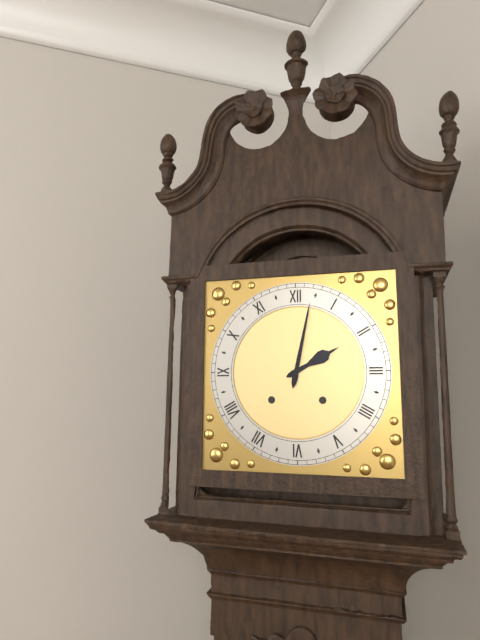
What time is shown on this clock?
2:02
